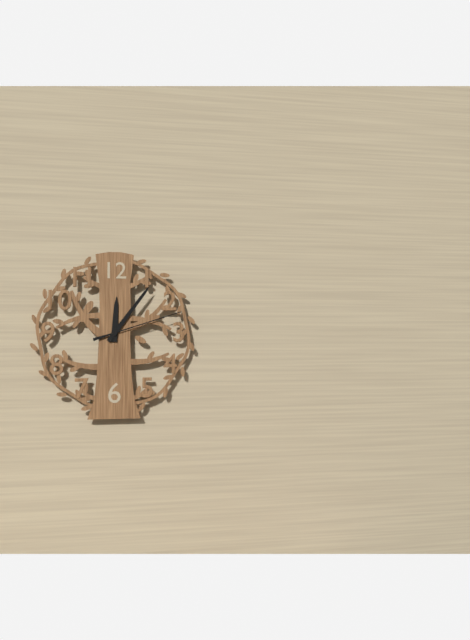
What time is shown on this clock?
12:06:12
